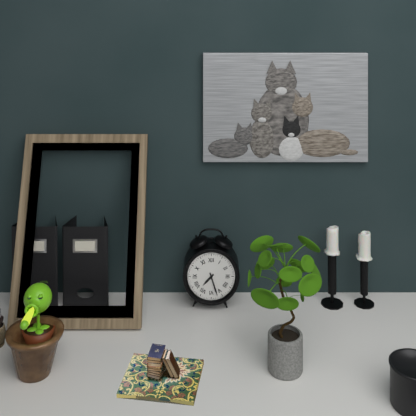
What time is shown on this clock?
7:27
